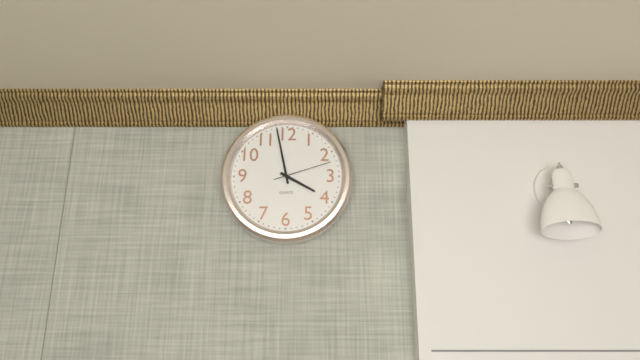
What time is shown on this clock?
3:58:12
